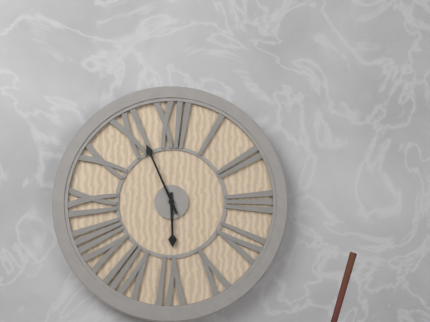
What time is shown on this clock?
5:56
